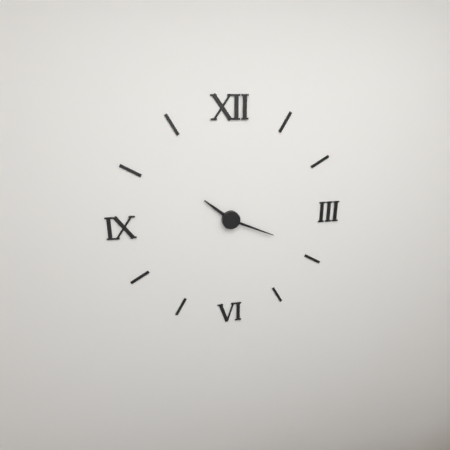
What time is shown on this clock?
10:19
